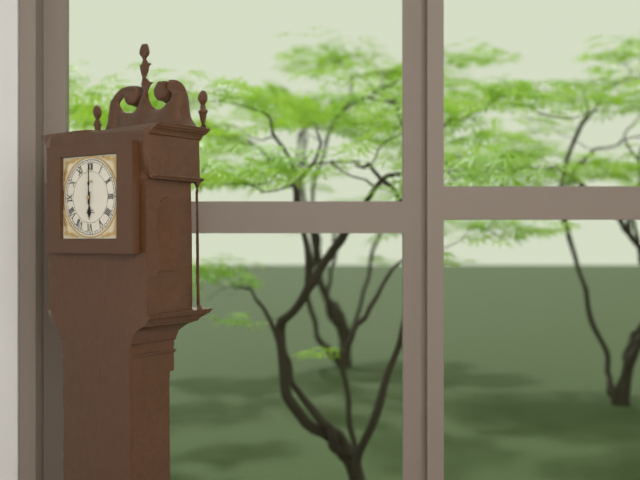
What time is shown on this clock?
6:00
